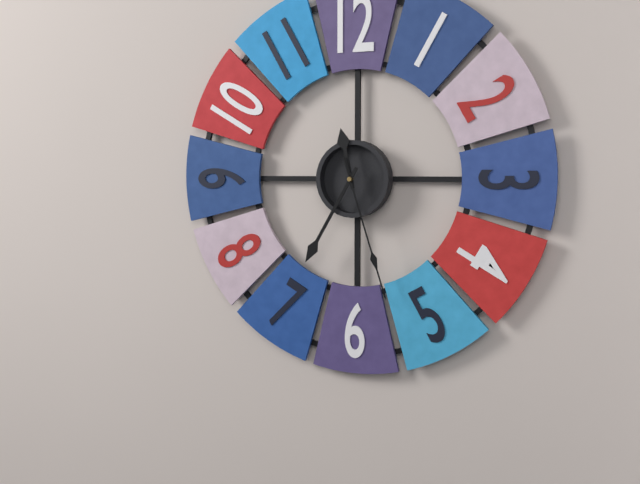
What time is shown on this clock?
11:35:27
